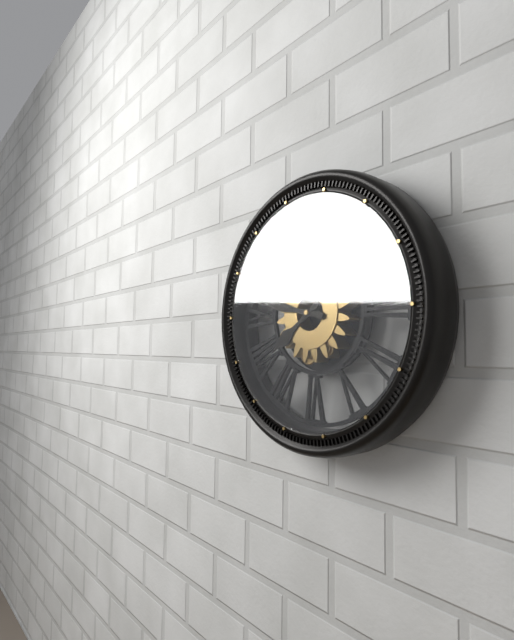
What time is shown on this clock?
7:47
